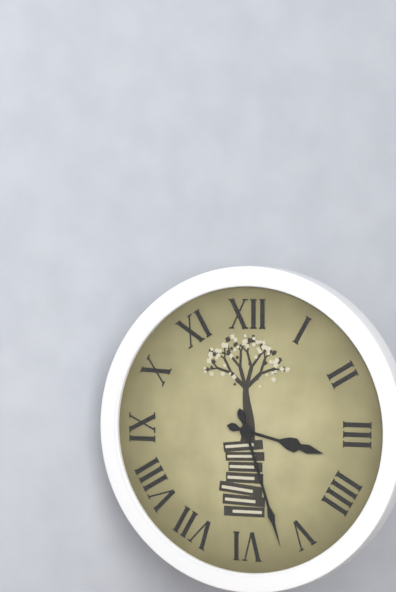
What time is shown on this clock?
3:27
